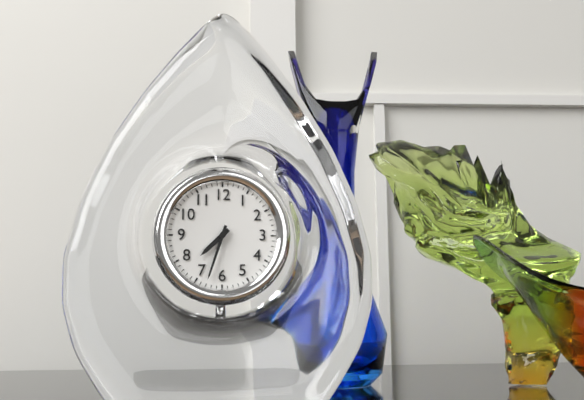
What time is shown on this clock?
7:33
